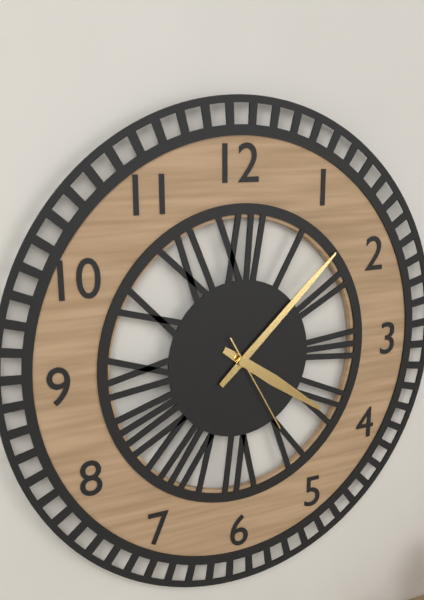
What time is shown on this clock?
4:08:25
